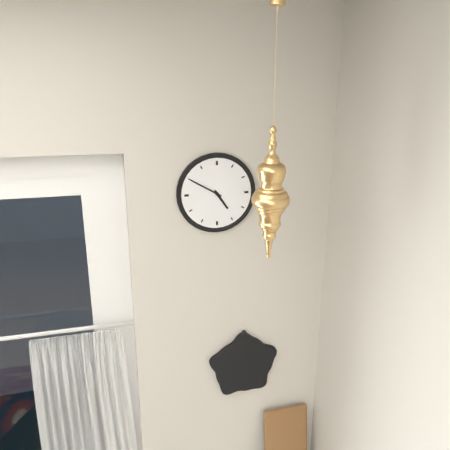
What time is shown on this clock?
4:50
